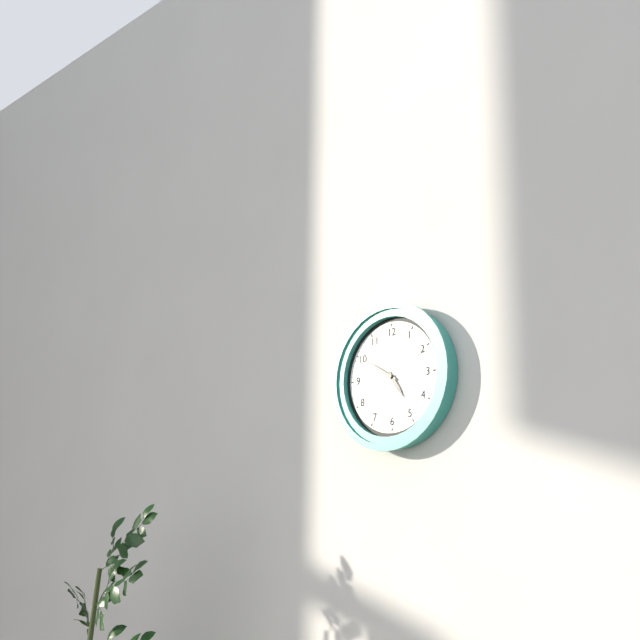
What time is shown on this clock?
4:50:10
